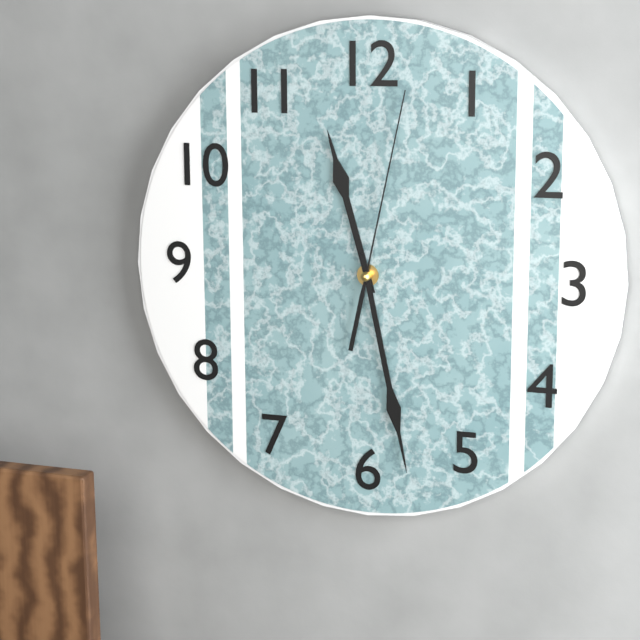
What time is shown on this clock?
11:28:02
